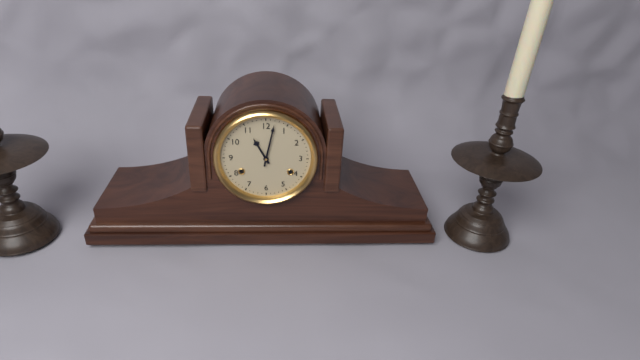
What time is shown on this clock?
11:02
